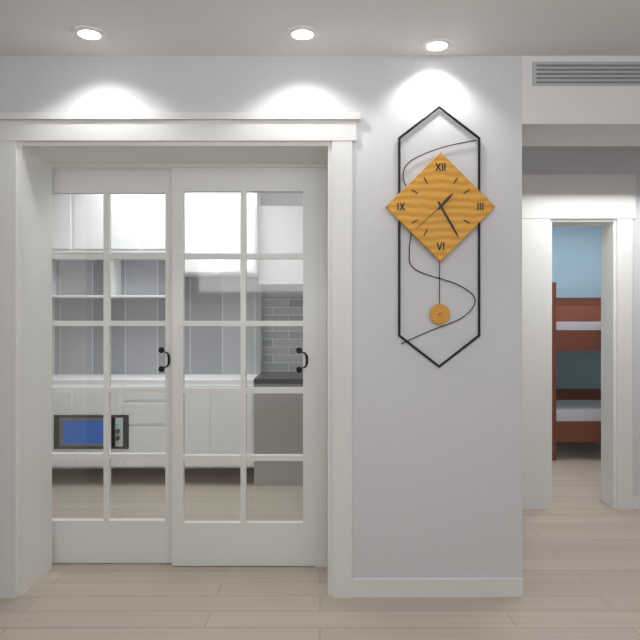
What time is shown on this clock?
1:25
